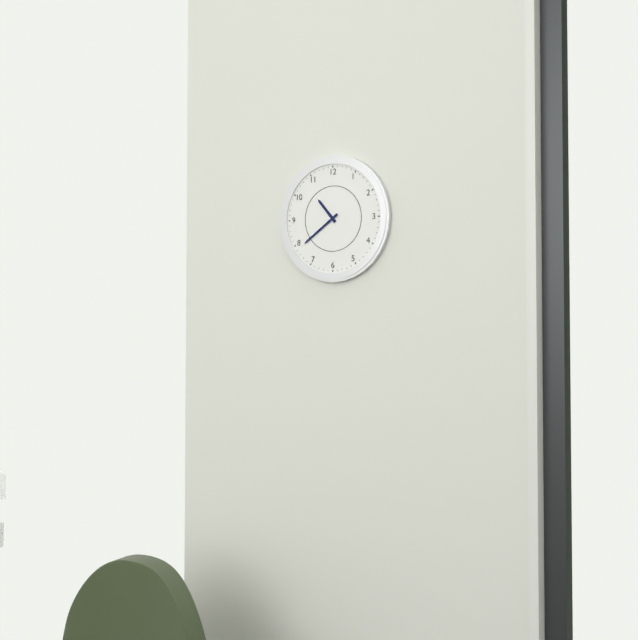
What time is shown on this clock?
10:39
